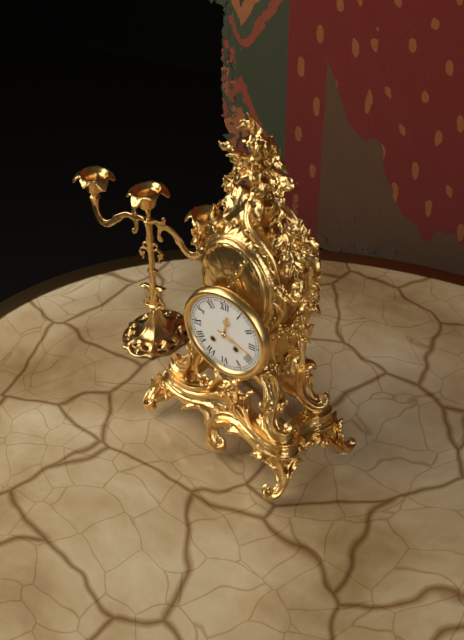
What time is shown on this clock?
12:18
